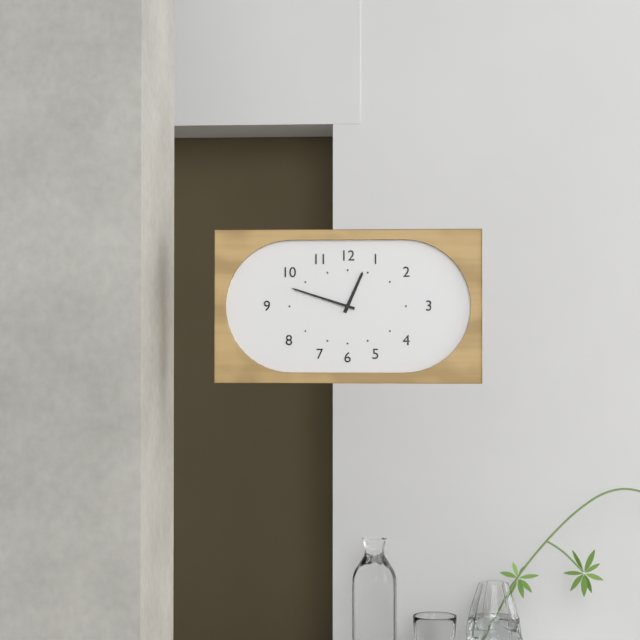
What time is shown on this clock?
12:48
